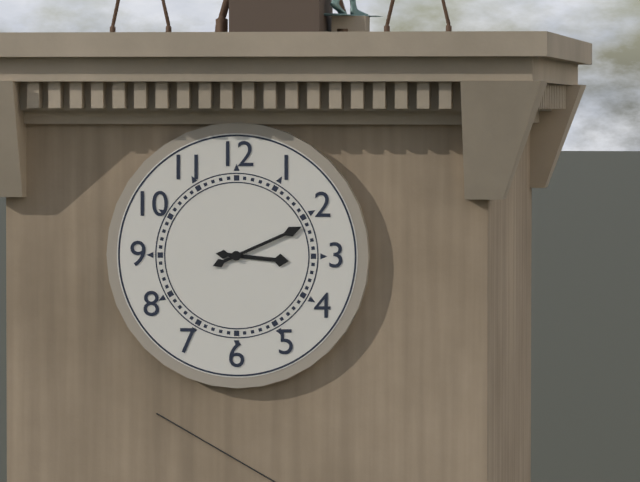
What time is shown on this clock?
3:11
